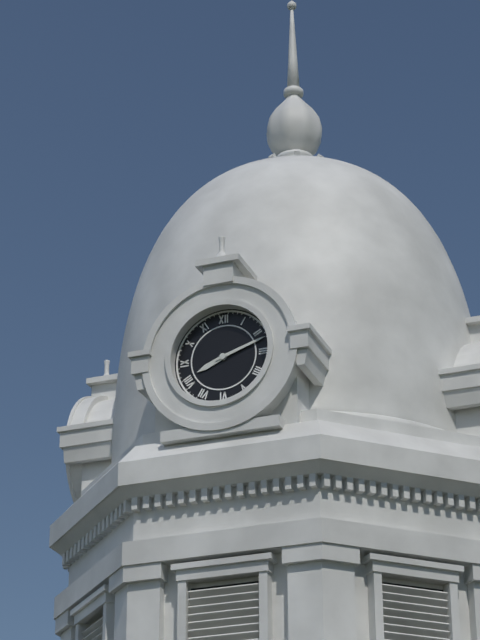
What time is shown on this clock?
8:12
